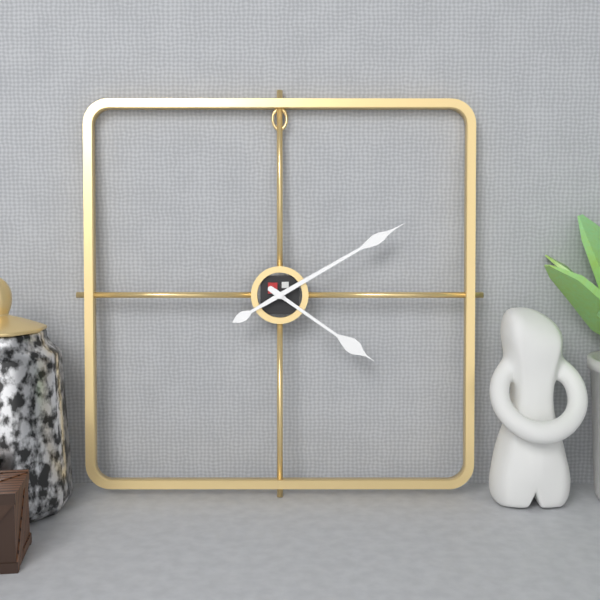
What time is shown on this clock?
4:10
